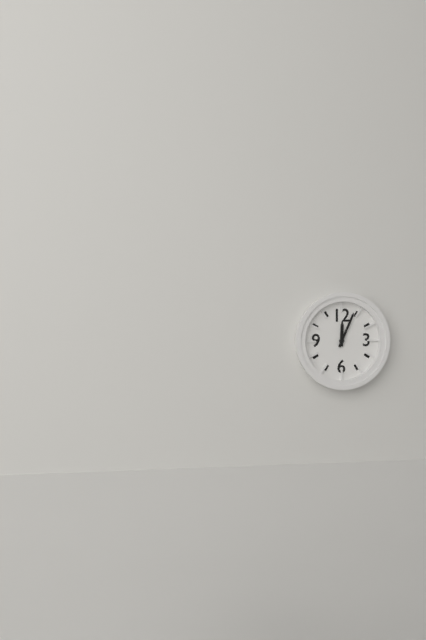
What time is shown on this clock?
12:04
